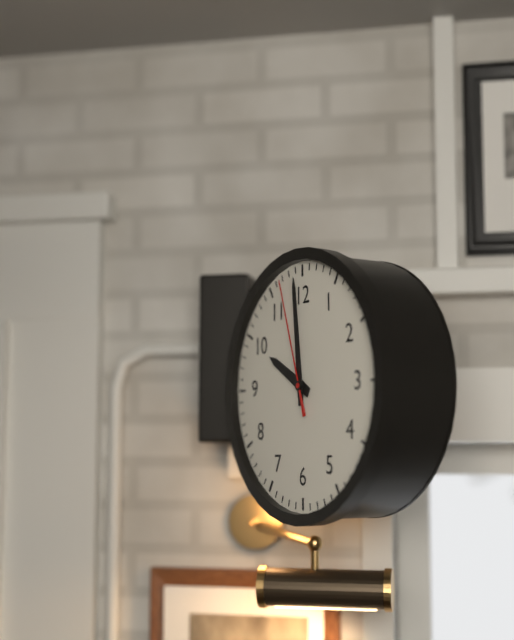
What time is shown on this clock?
9:59:57
